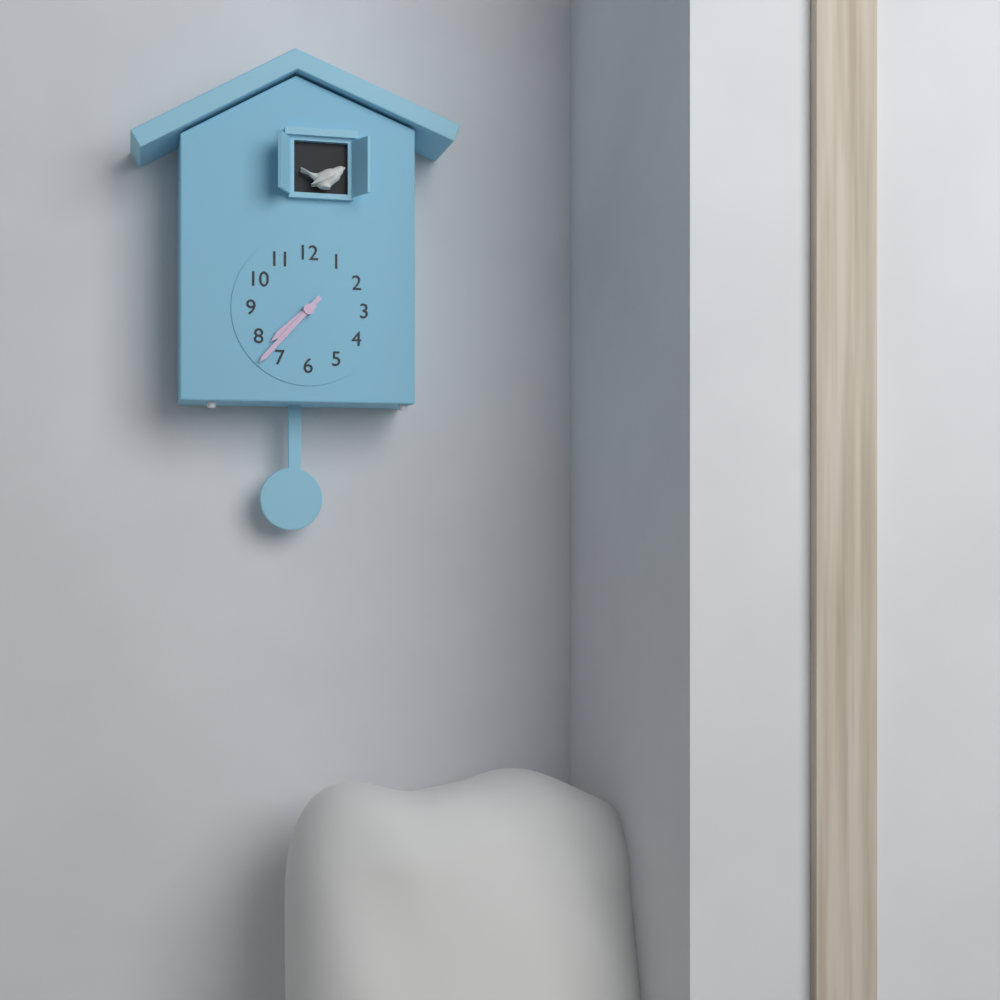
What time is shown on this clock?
7:37
